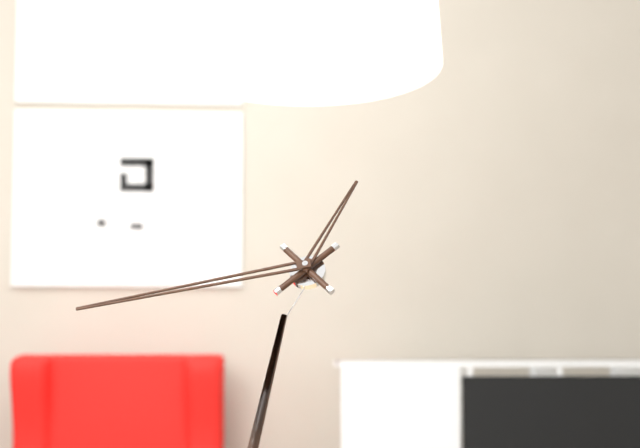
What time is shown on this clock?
12:43
